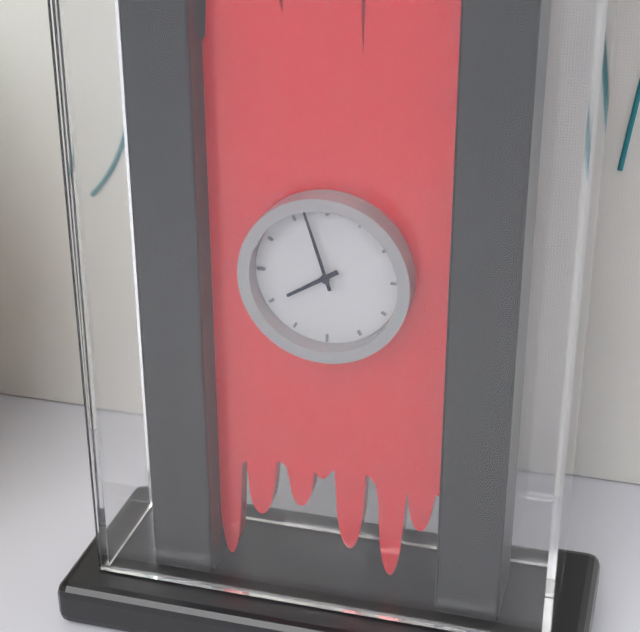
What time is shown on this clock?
7:57
